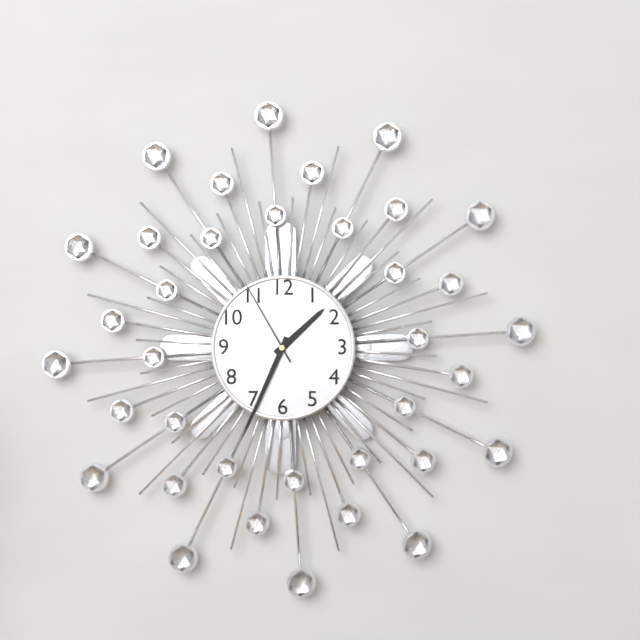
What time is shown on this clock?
1:34:55
